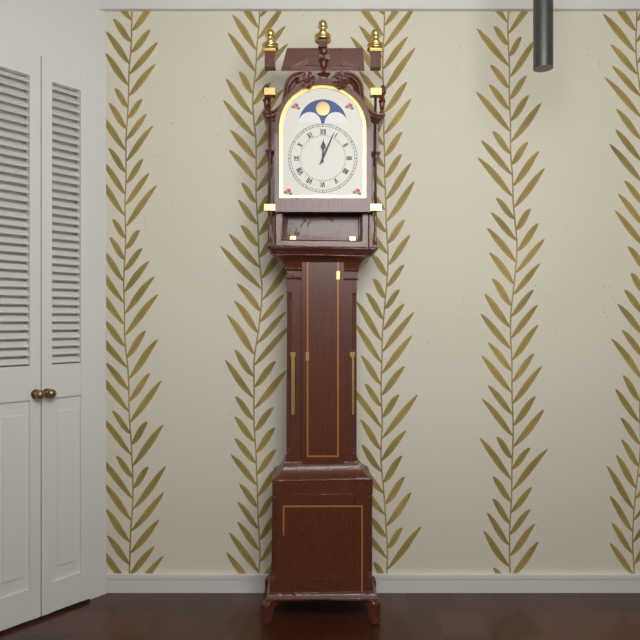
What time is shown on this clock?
12:04
